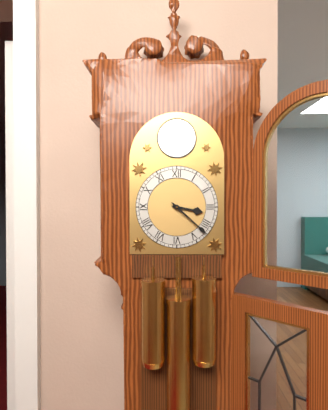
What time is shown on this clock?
3:22
